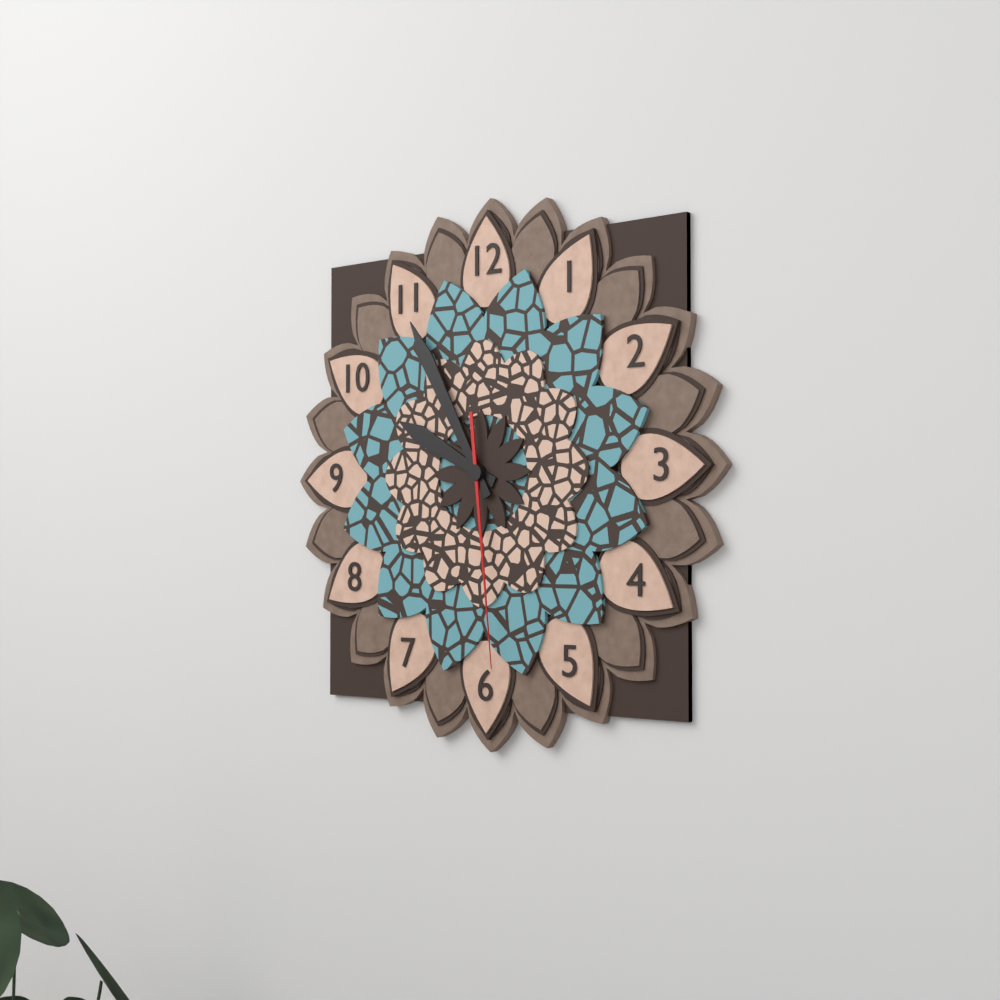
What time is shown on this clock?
9:55:29
